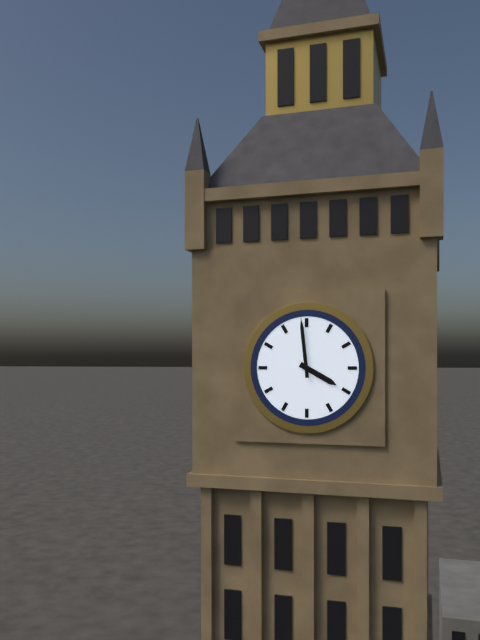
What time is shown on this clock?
3:59
